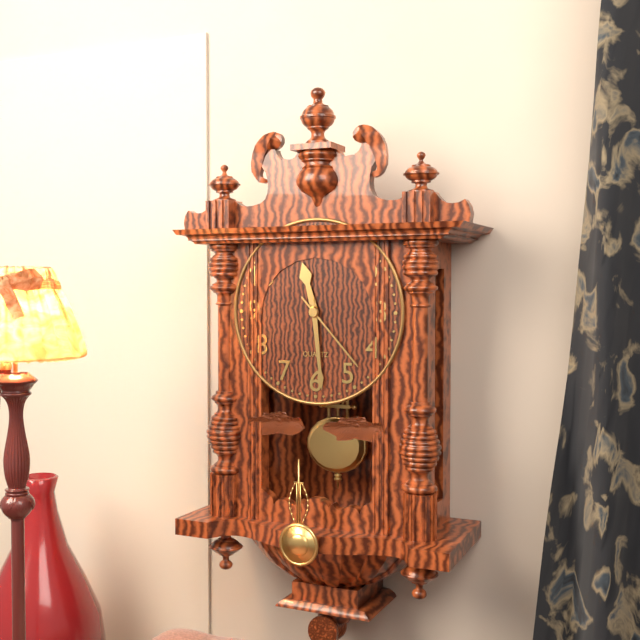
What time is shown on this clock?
11:29:23
